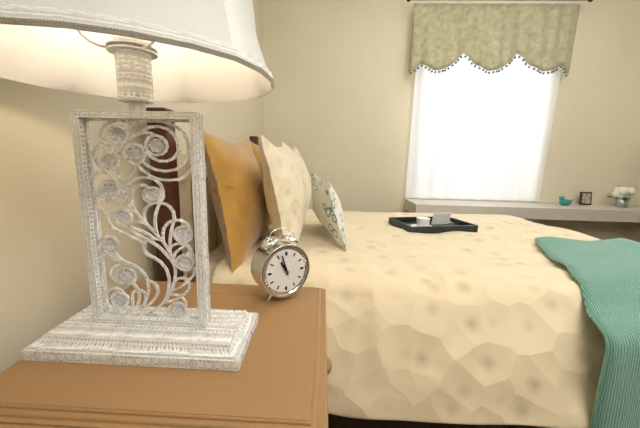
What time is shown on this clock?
10:57
